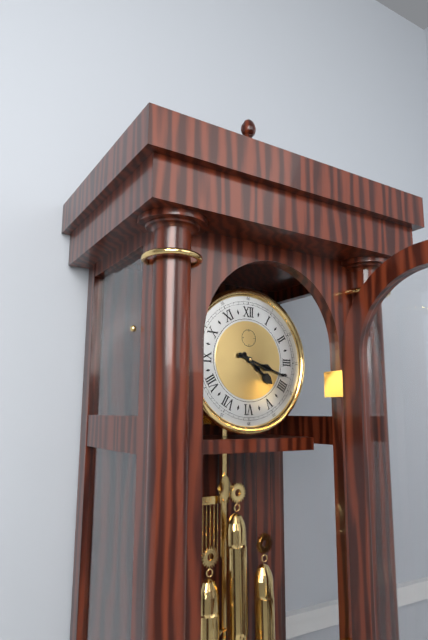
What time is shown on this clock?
4:18
